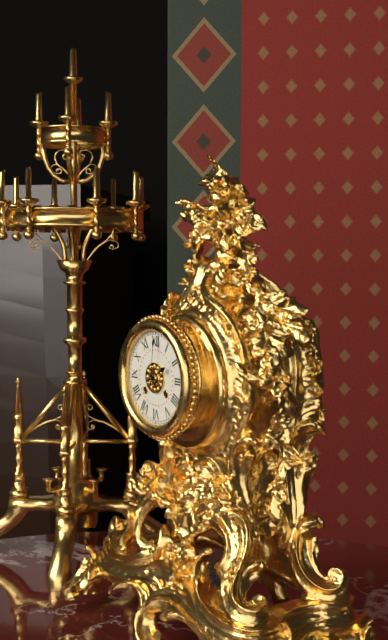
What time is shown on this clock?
2:01
